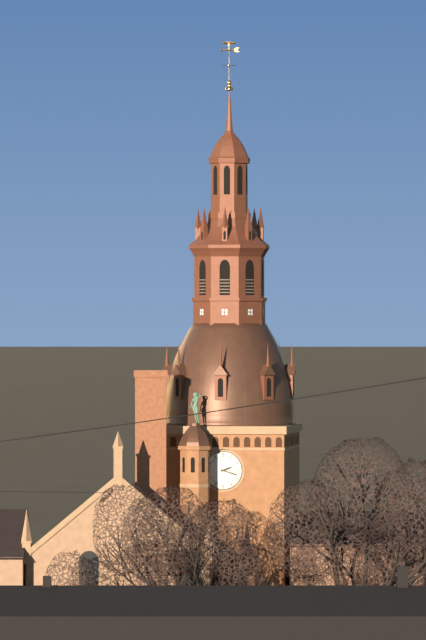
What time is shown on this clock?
2:18
